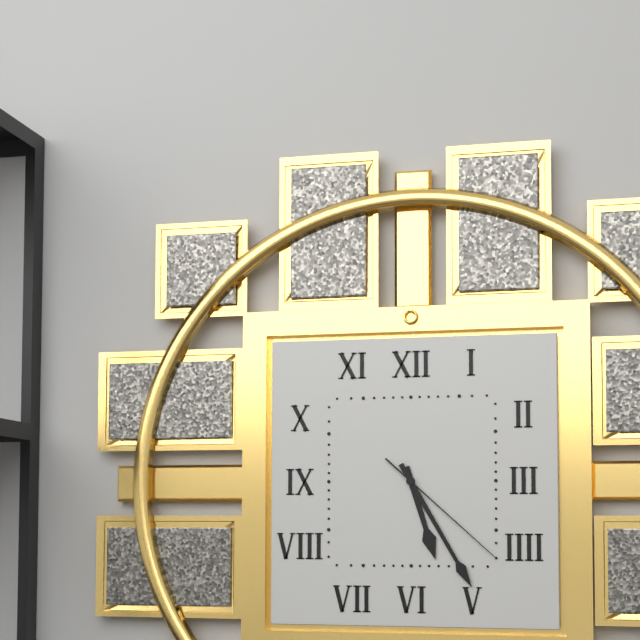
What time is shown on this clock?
5:25:22
